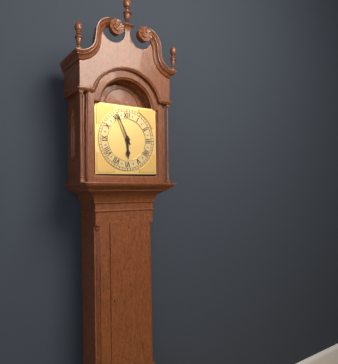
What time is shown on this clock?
5:56
